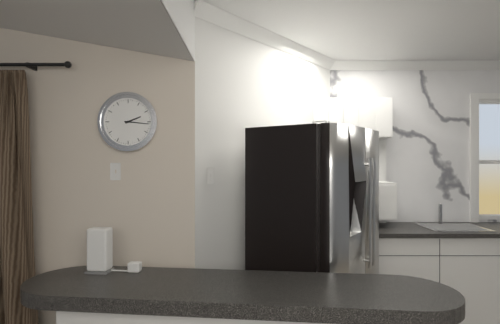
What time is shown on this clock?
2:16
